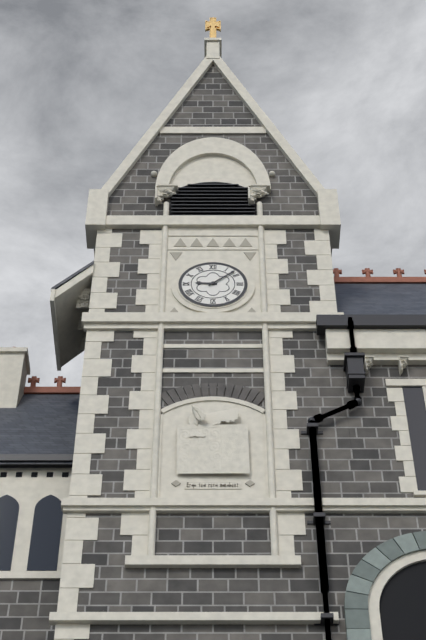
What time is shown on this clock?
9:08
